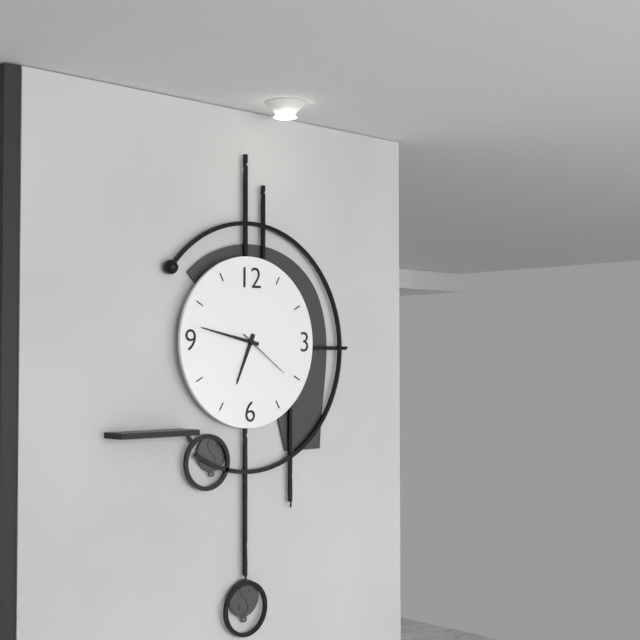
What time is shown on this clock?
6:47:21
